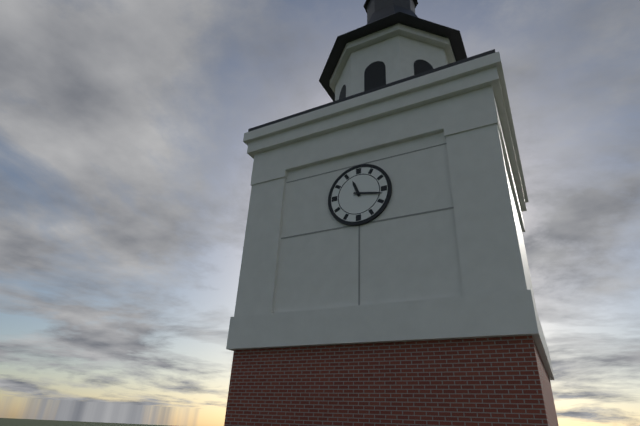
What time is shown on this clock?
11:17
